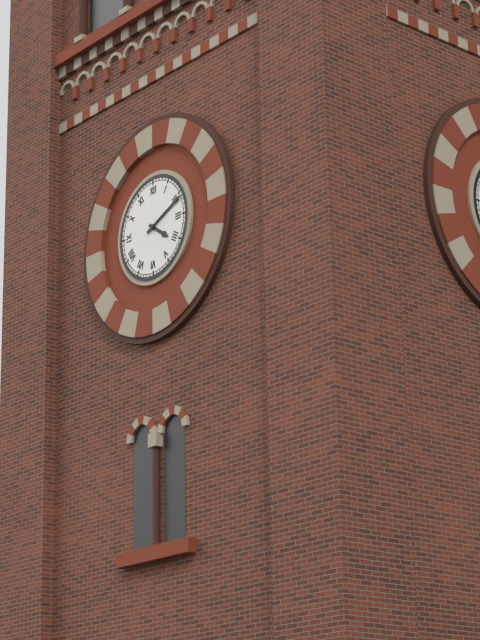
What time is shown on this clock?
4:11
